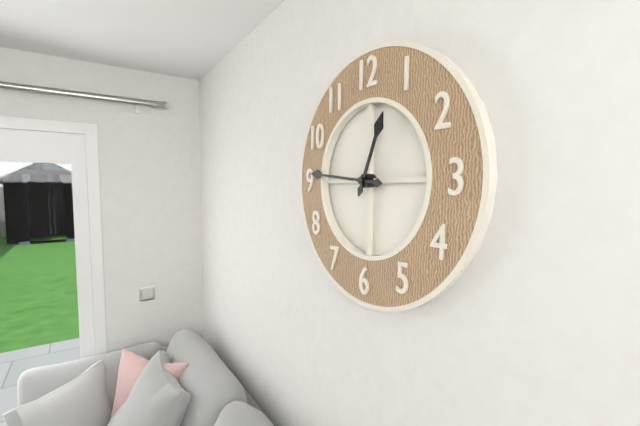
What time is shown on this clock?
12:46
